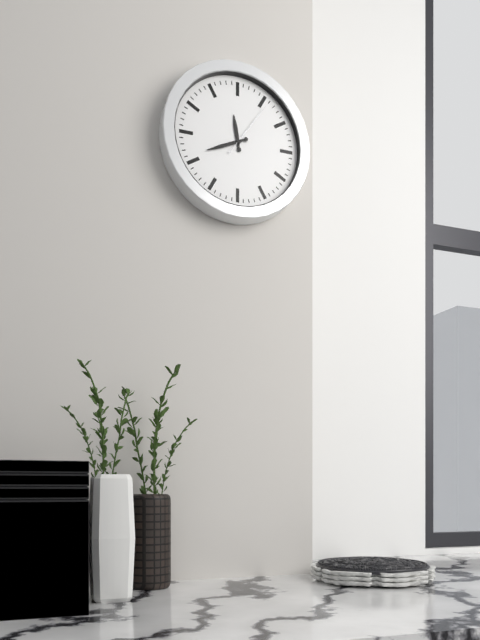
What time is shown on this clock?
11:41:06
